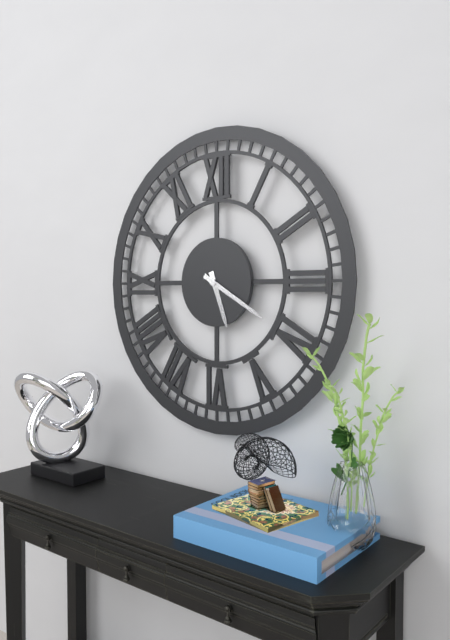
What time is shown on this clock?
5:20
